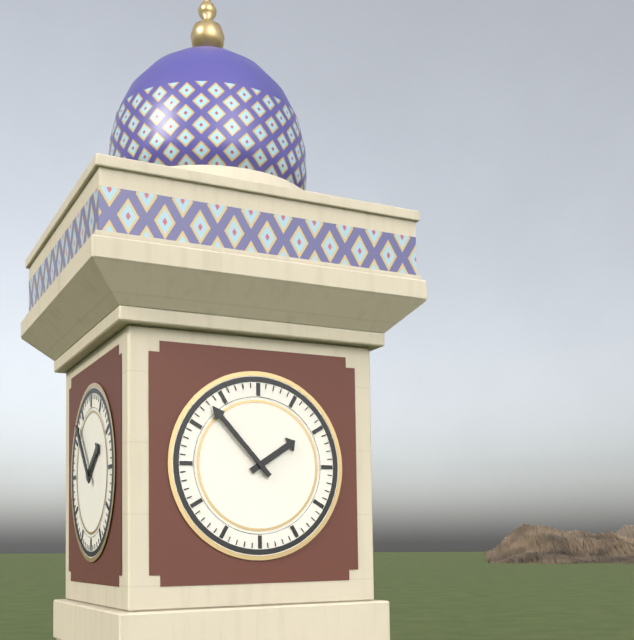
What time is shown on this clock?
1:53
